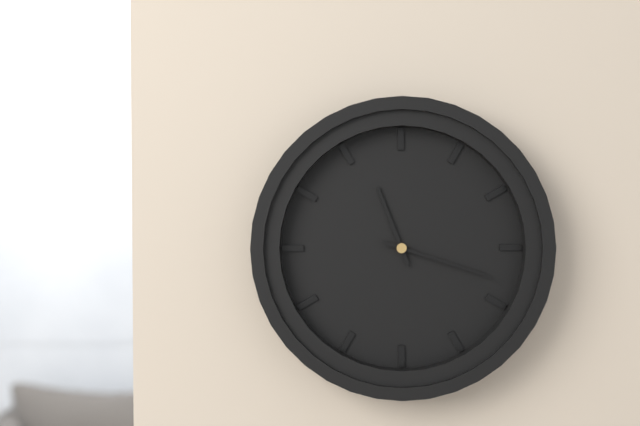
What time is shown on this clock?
11:18
